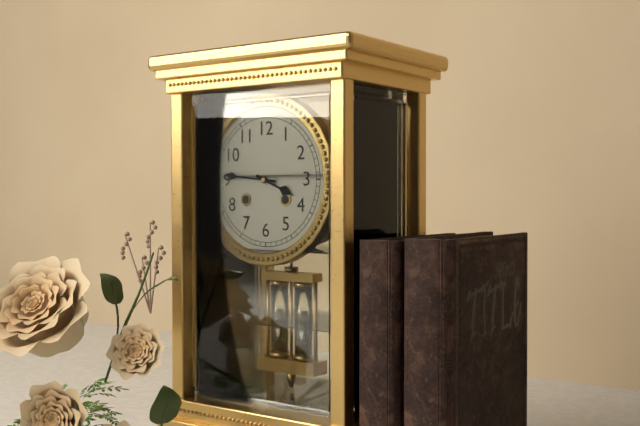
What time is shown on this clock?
3:46
